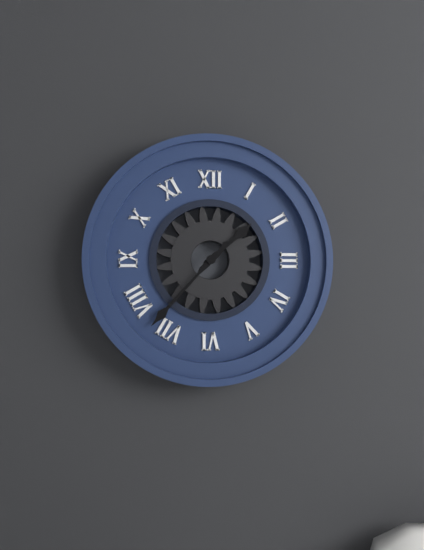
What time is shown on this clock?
1:37
